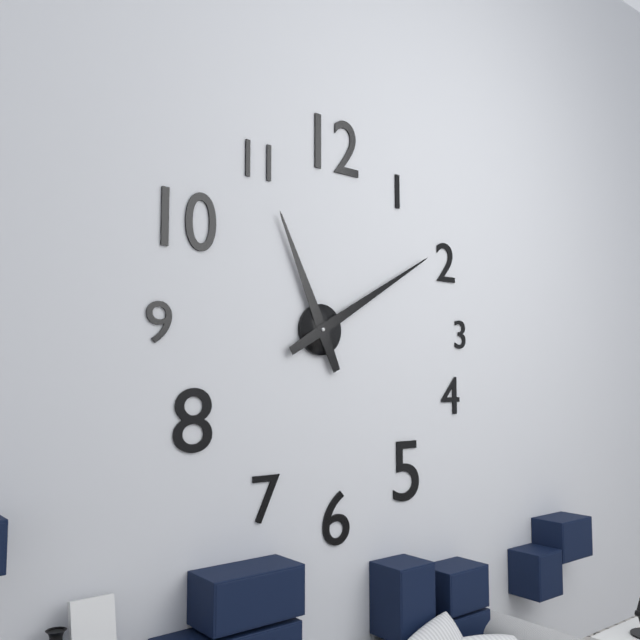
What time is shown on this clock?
11:10
